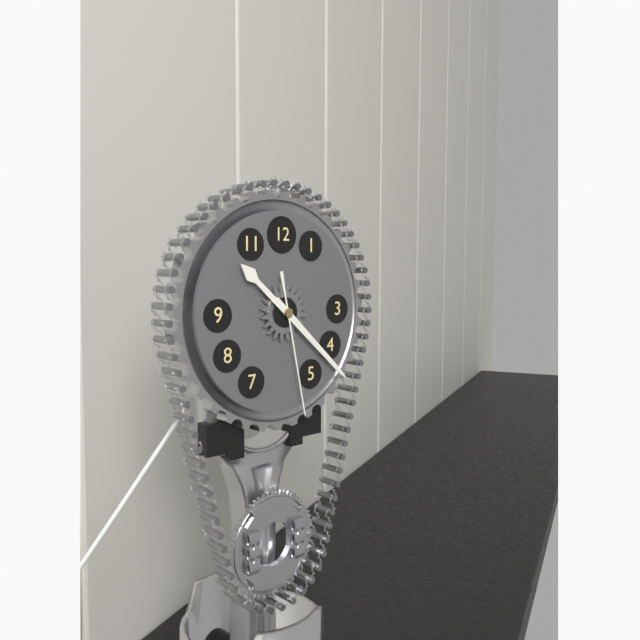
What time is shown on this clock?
10:22:28
